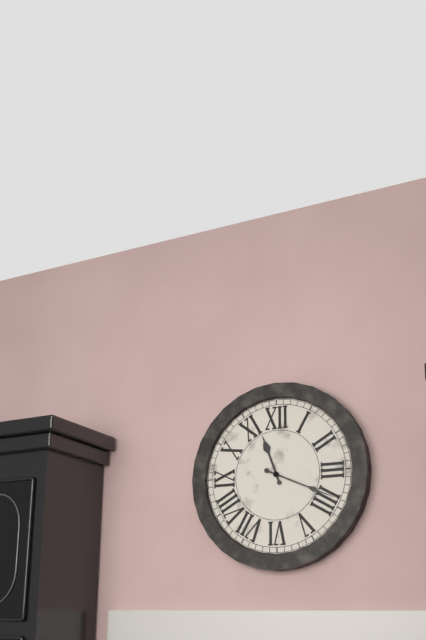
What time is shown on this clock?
11:19
